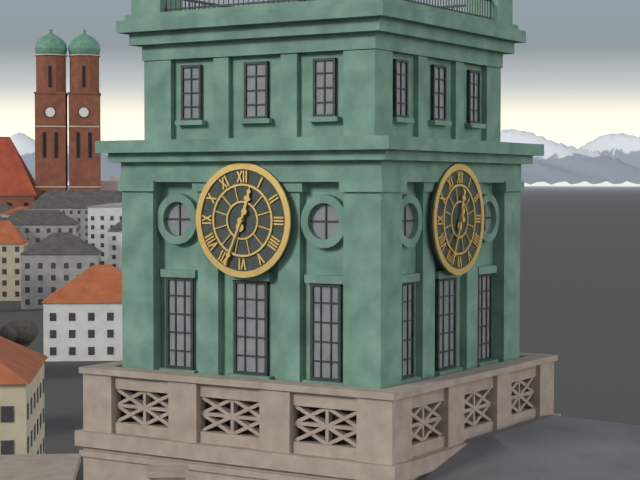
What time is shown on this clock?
12:34
